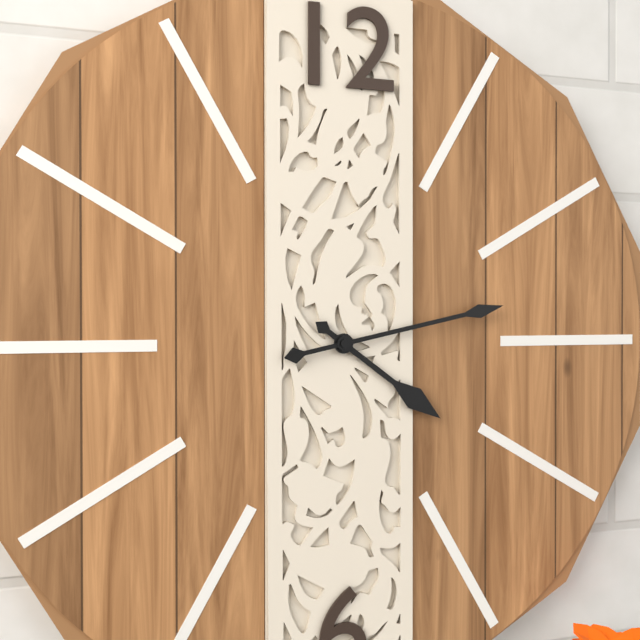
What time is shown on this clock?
4:13
